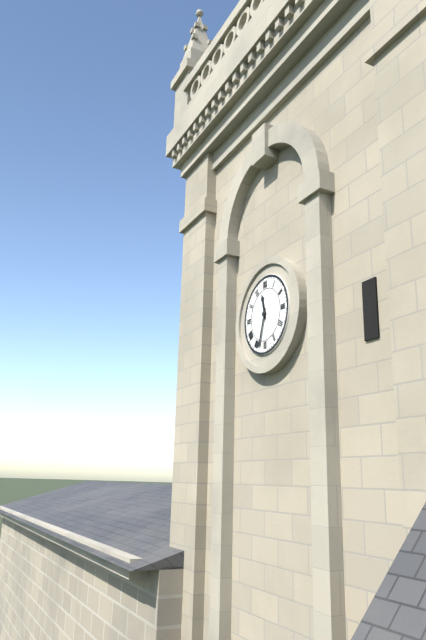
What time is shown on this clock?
11:33
